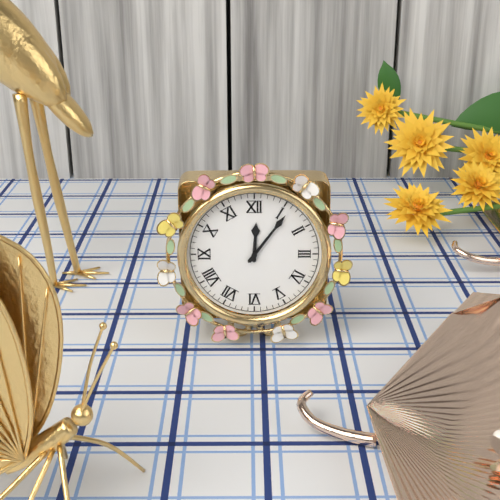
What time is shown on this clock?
12:06
